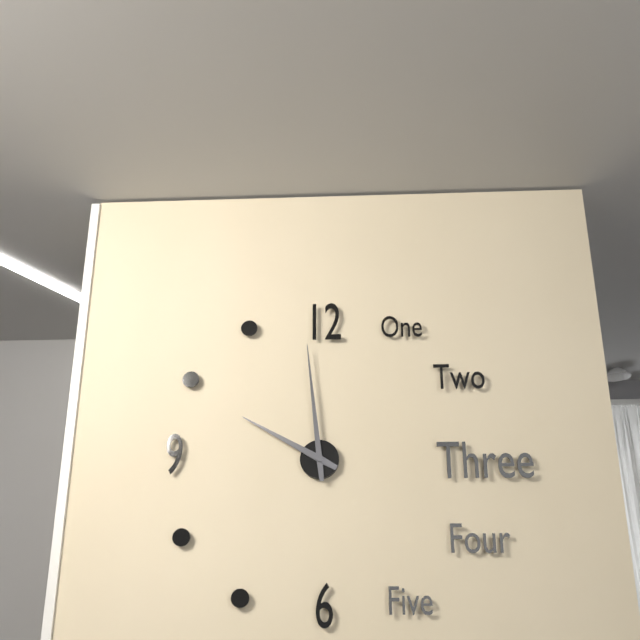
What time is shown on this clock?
9:59
